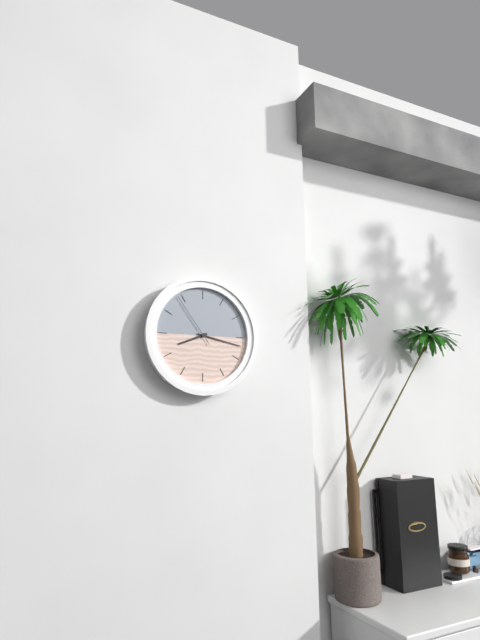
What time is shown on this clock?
8:17:54
